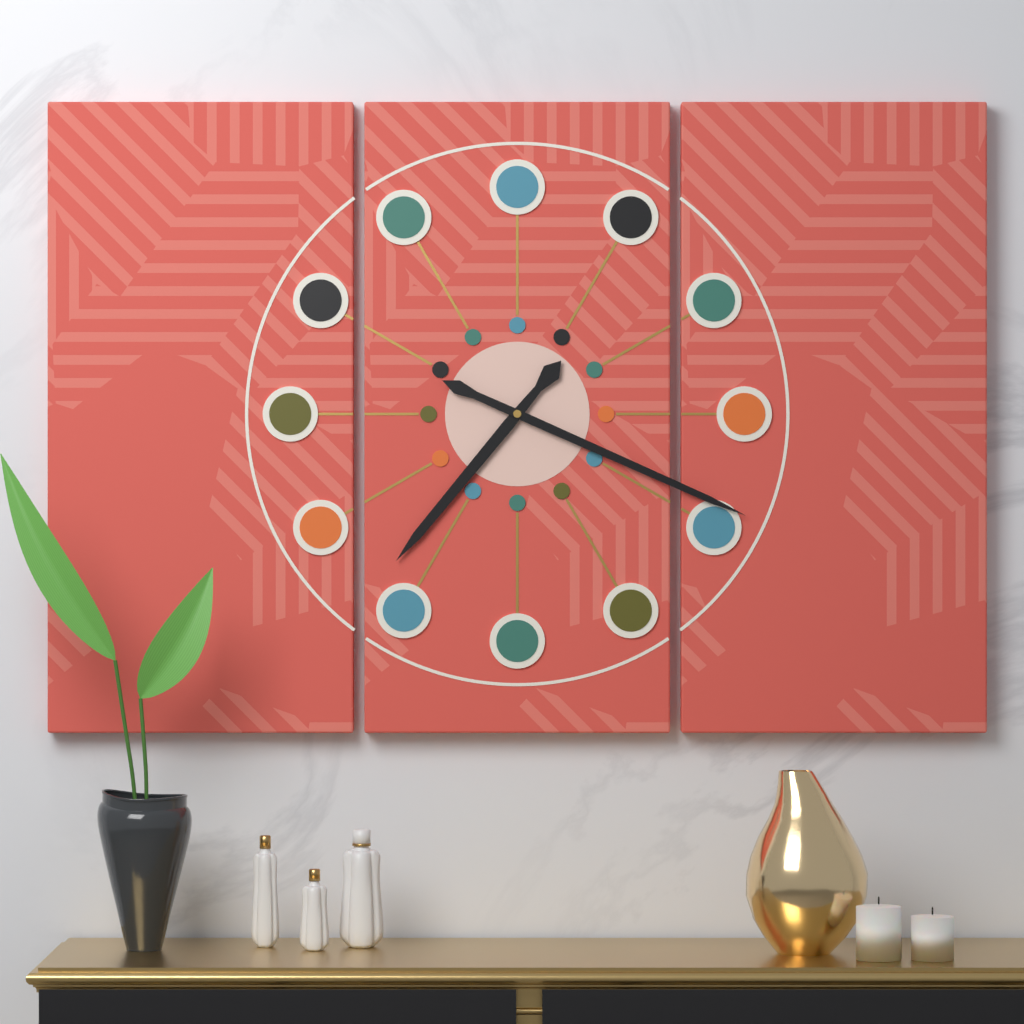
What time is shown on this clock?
7:19
